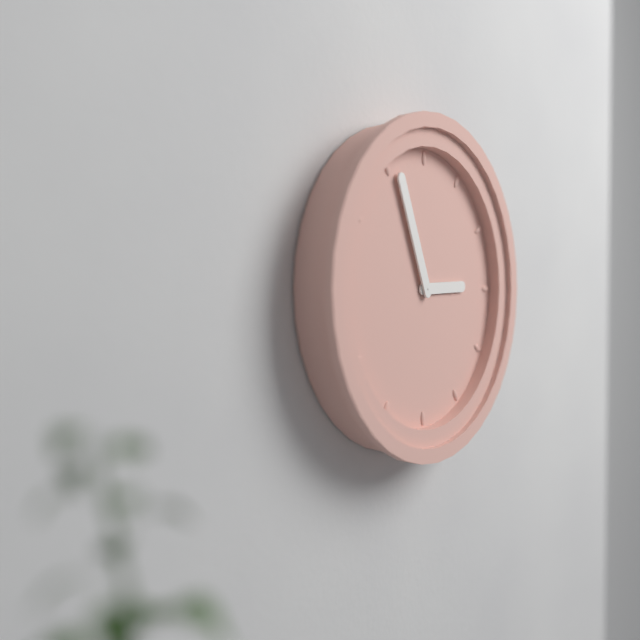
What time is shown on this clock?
2:56
